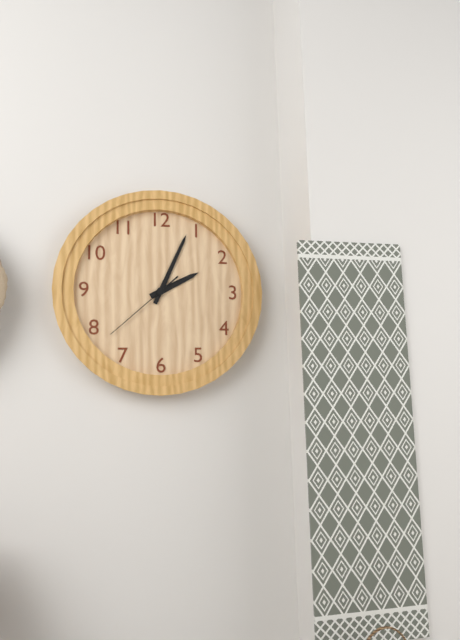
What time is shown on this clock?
2:04:38
